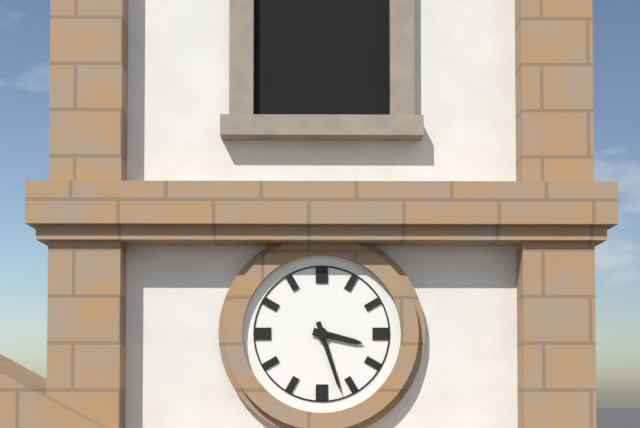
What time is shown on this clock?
3:27
